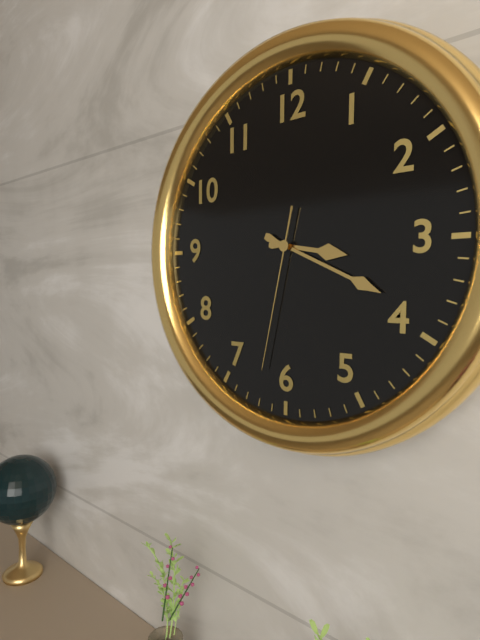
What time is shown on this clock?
3:19:32
